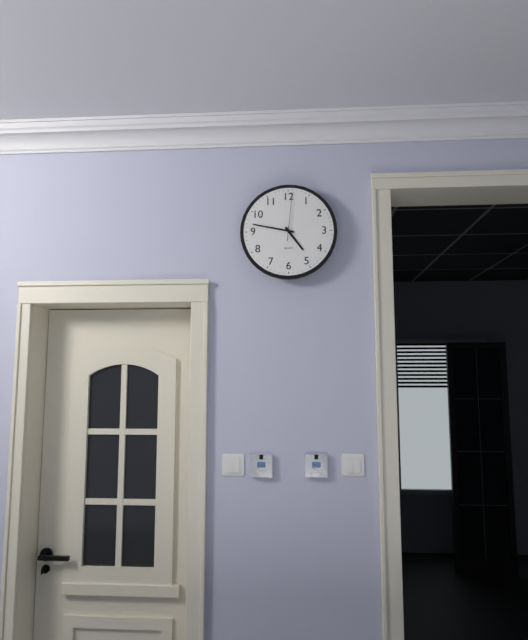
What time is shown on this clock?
4:47
